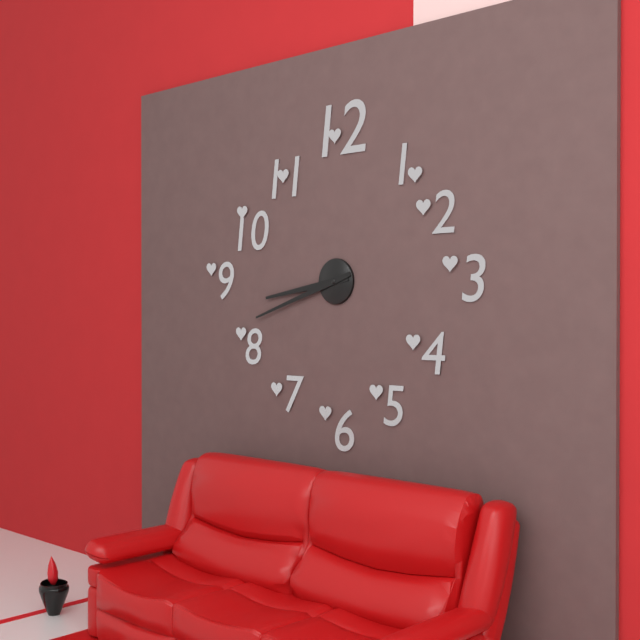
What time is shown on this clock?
8:42
